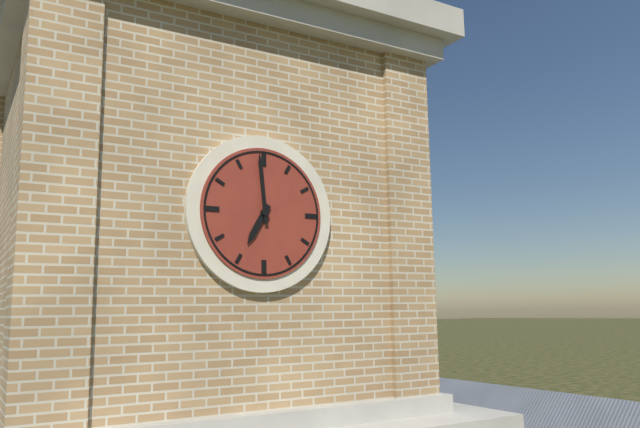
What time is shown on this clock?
6:59
